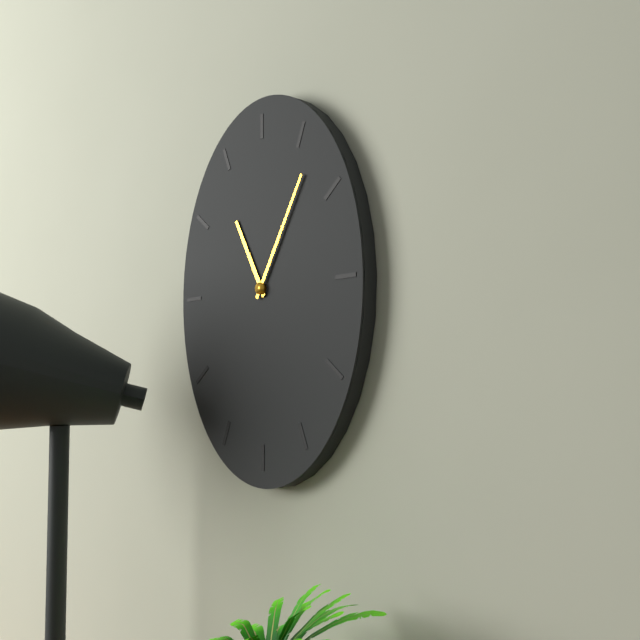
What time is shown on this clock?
11:05
